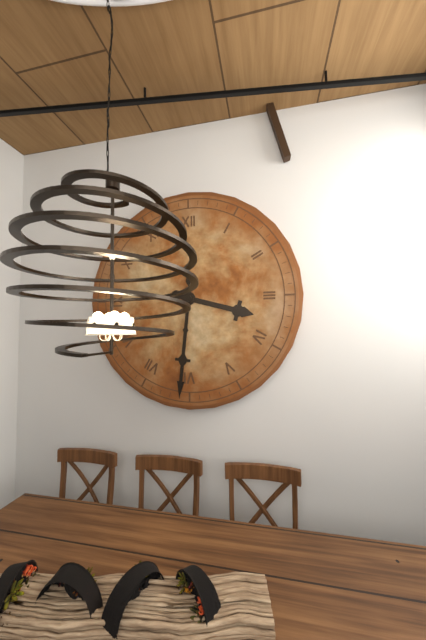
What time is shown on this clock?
3:31
